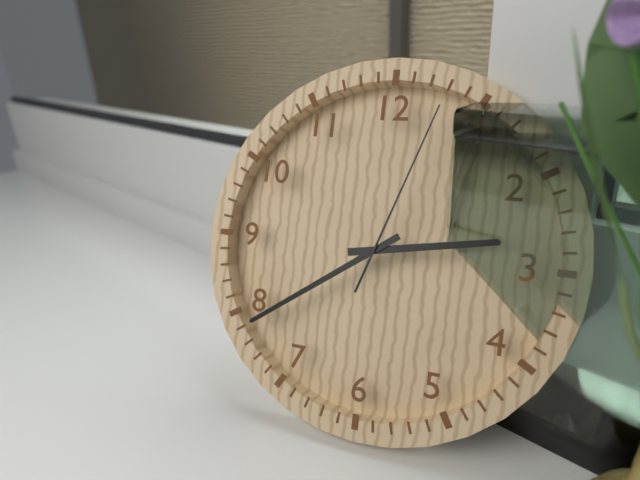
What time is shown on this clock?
2:39:03
